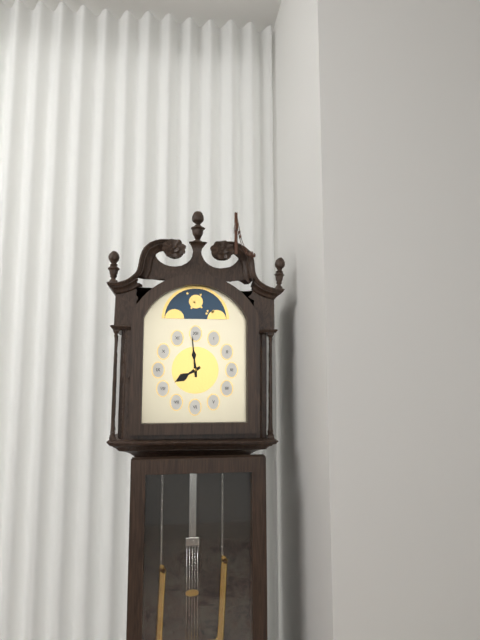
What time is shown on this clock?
7:59
